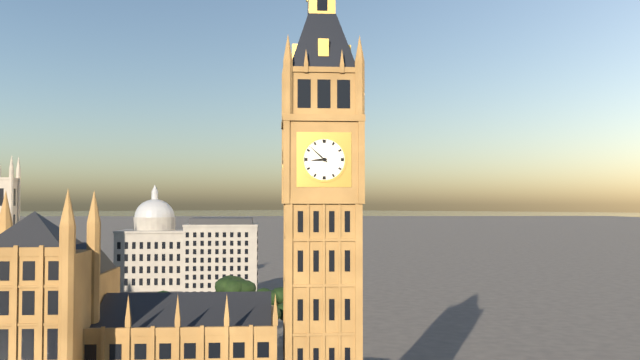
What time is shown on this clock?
8:52
